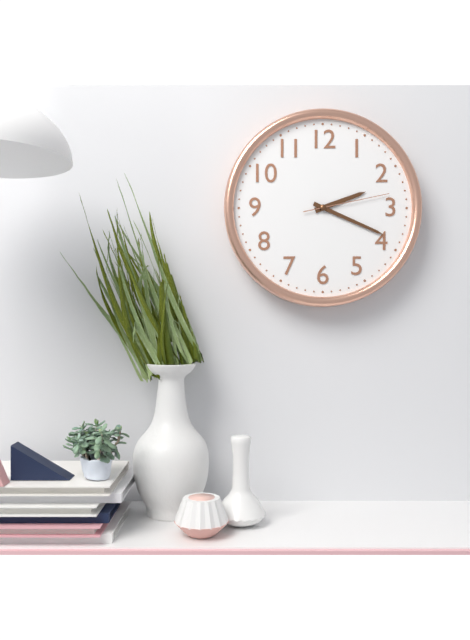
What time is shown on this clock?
2:19:13
